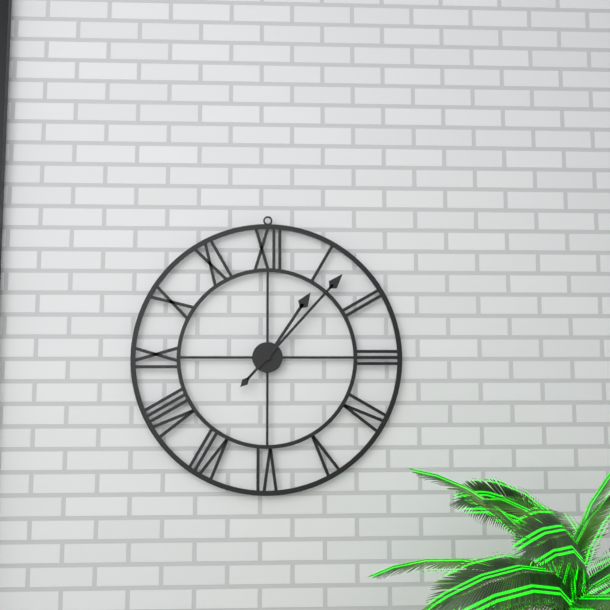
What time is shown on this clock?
1:07
